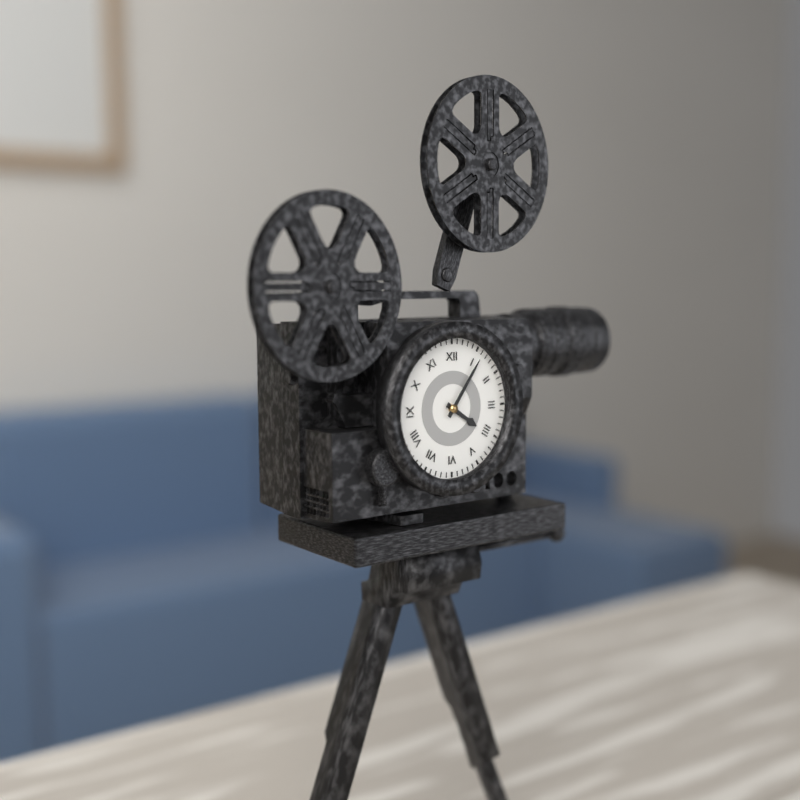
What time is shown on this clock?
4:06
